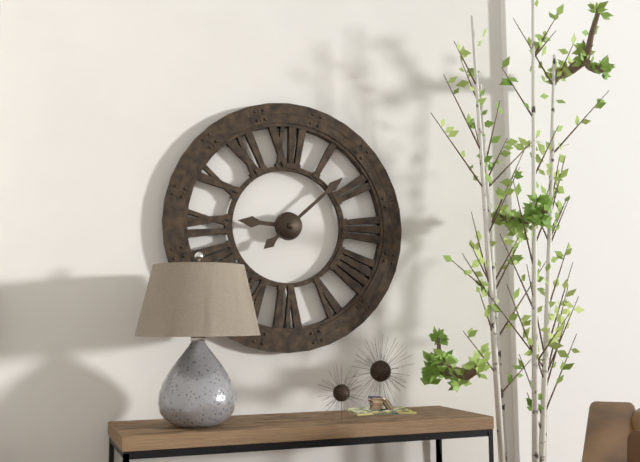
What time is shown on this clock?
9:08
